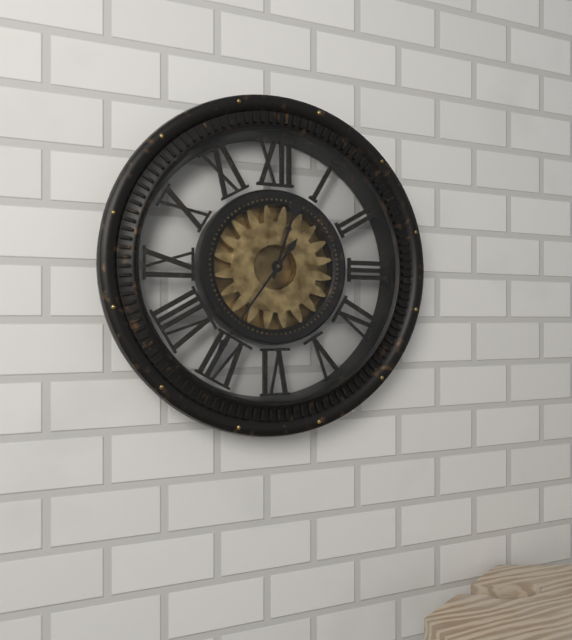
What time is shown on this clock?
12:36
